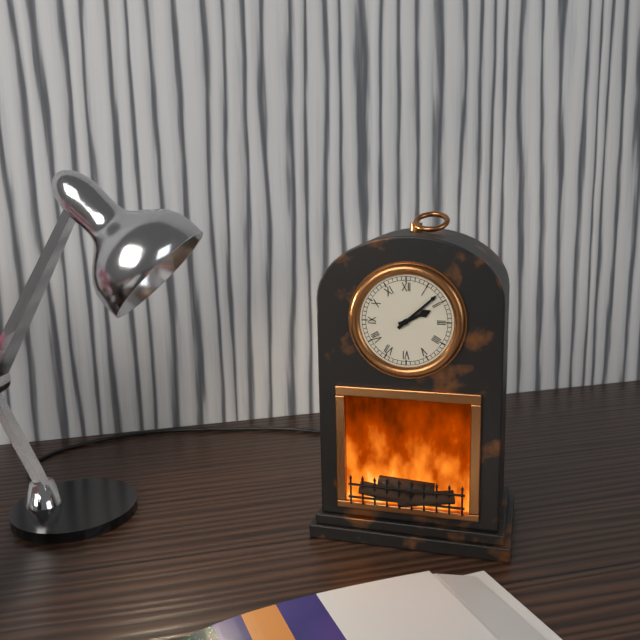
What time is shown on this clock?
2:08
